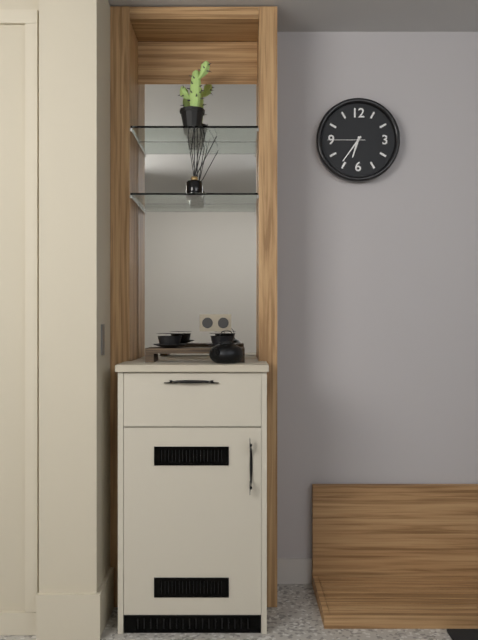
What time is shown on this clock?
6:36
